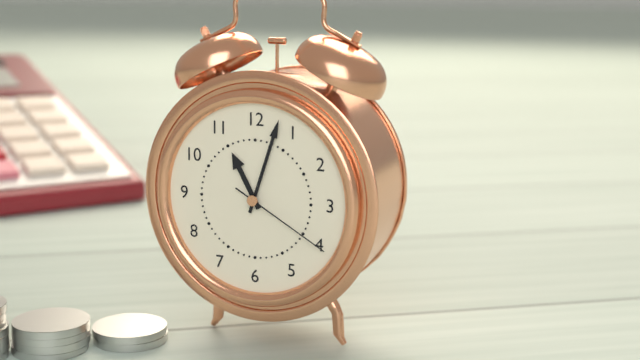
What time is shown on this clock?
11:03:20
